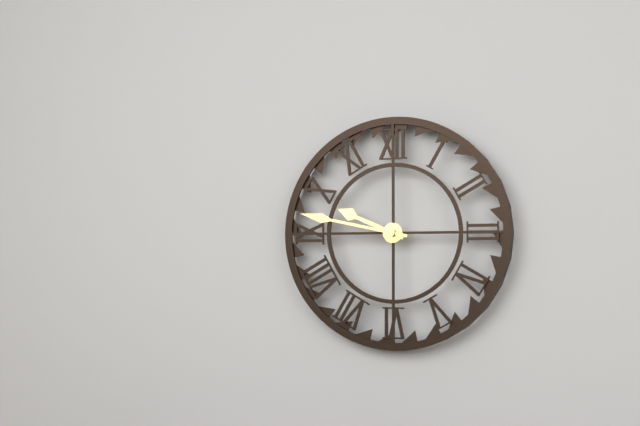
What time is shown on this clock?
9:47
